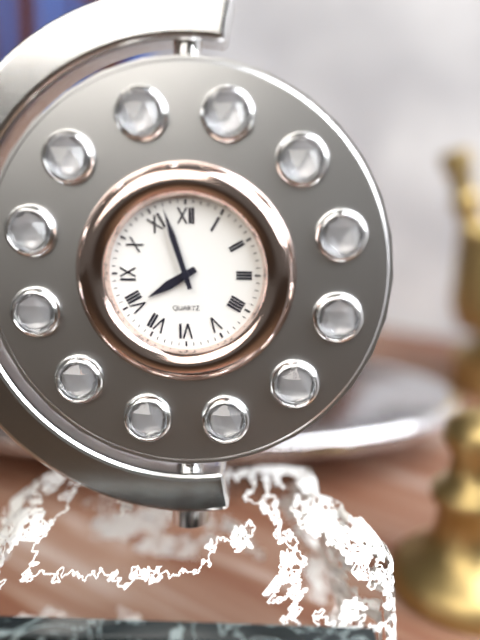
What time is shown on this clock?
7:57
